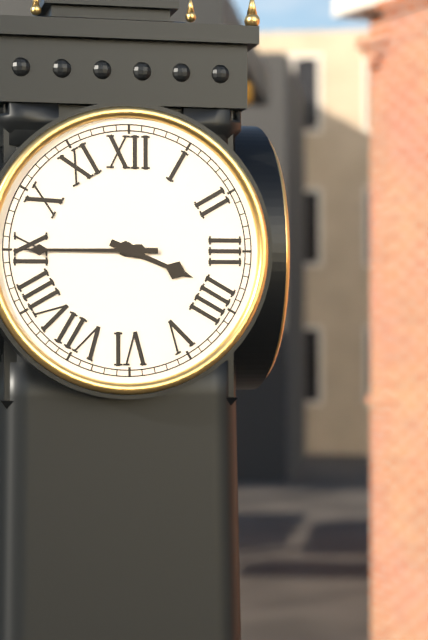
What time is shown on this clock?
3:45
